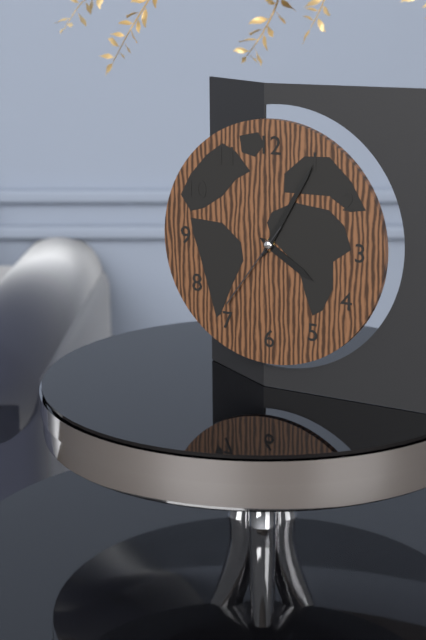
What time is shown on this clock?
4:05:36
